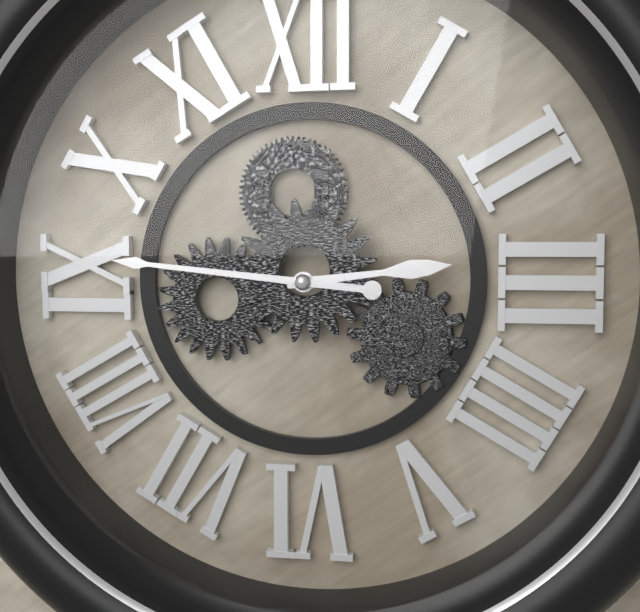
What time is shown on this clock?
2:46
